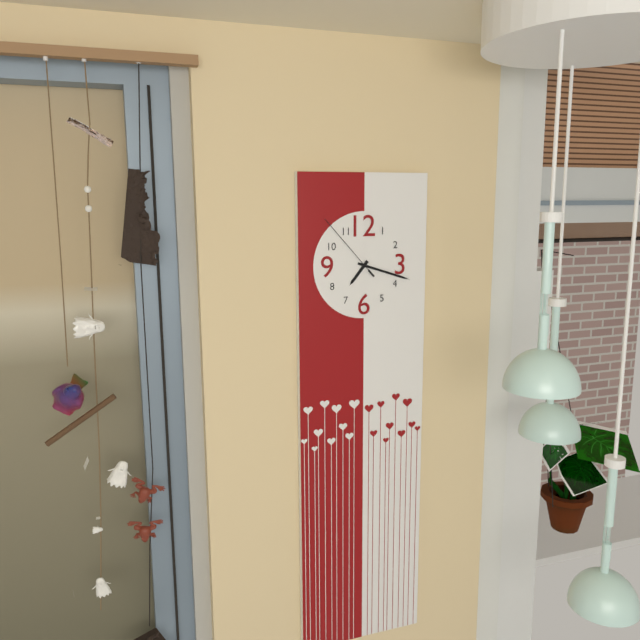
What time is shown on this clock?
7:18:53
